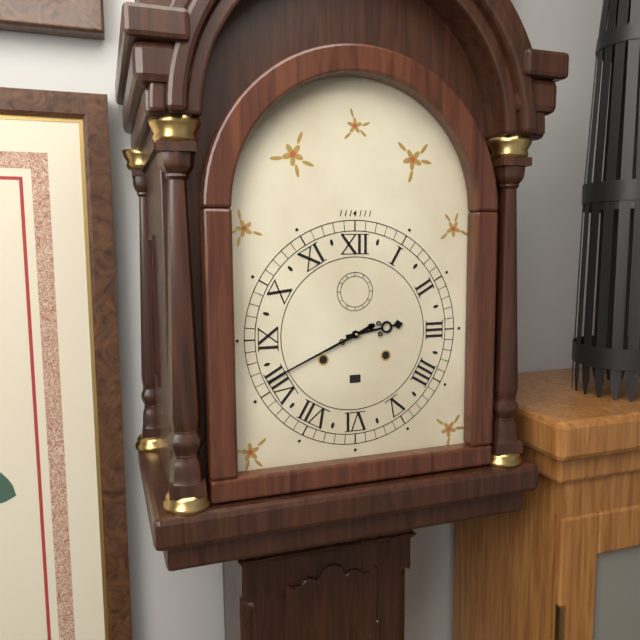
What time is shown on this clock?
2:41
